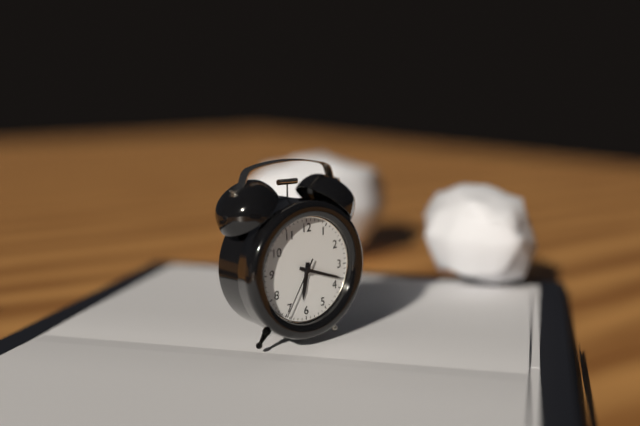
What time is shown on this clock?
6:18:35
